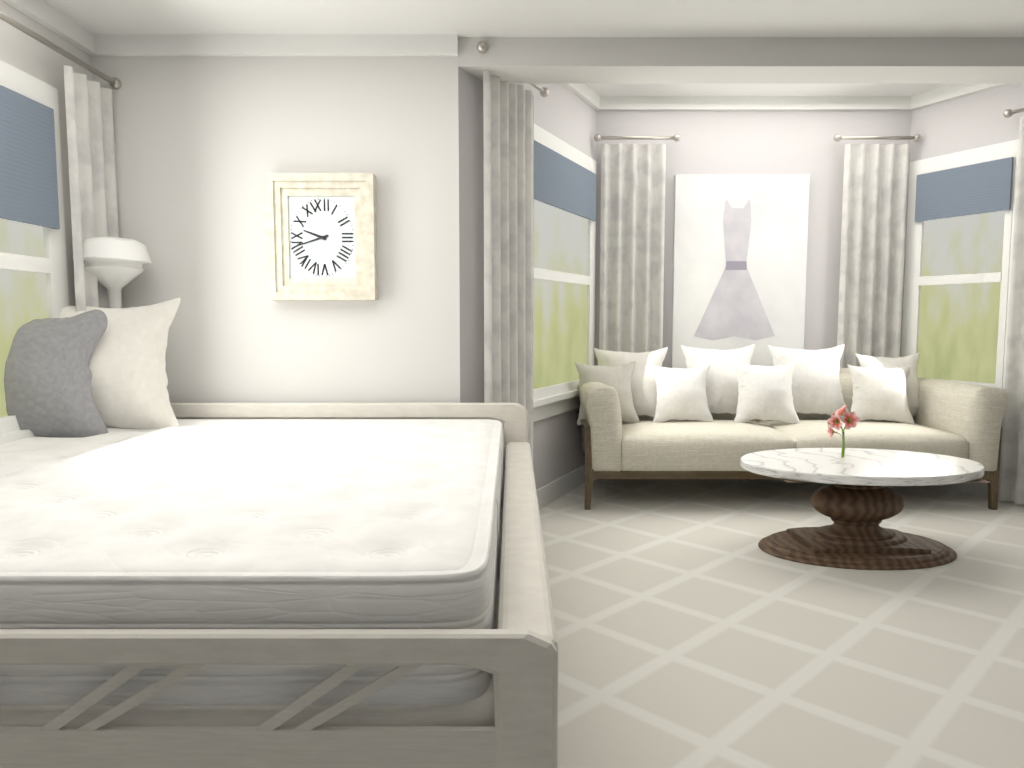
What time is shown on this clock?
9:42
